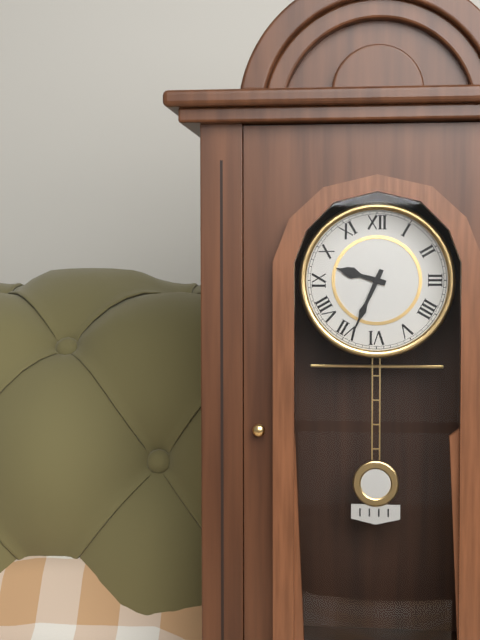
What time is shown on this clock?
9:34
